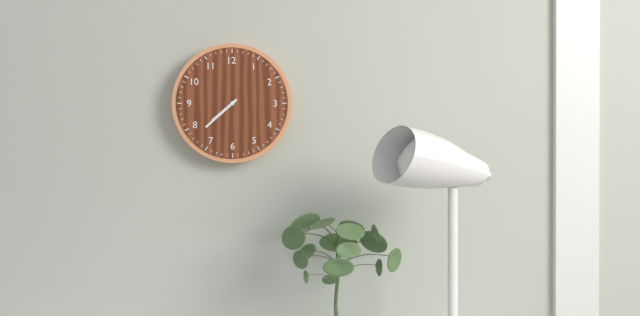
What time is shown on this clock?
7:38
